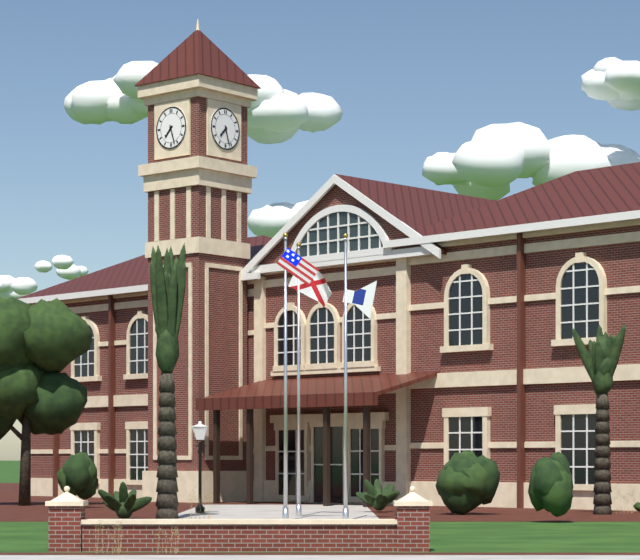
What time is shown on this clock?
7:27
